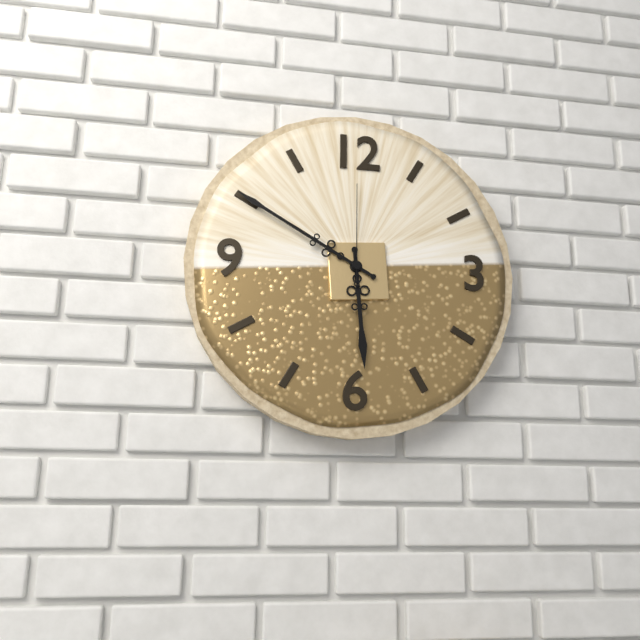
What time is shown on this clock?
5:50:00
